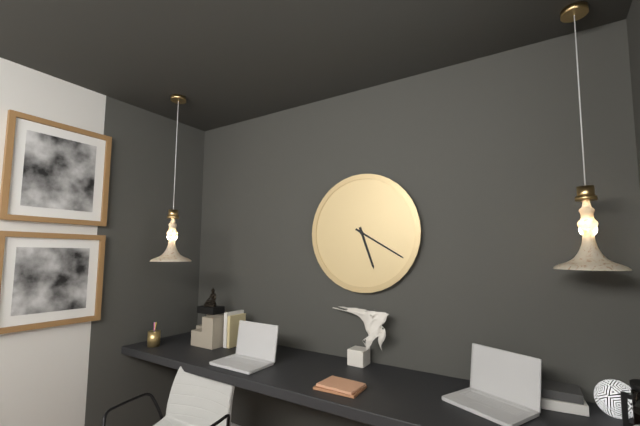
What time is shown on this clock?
5:20
